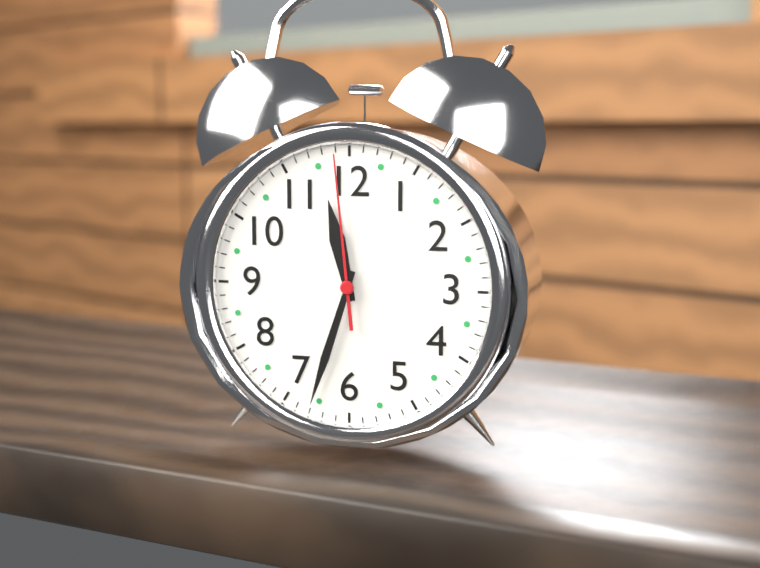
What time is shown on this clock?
11:33:59
